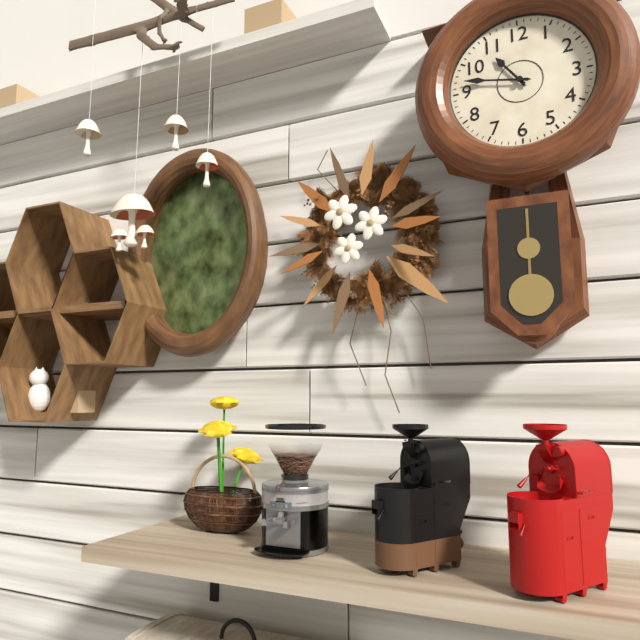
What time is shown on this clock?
10:47
